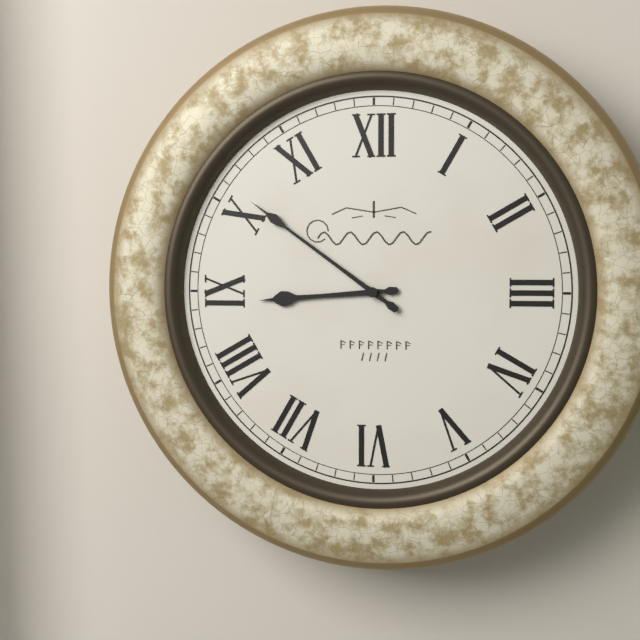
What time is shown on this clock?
8:51
